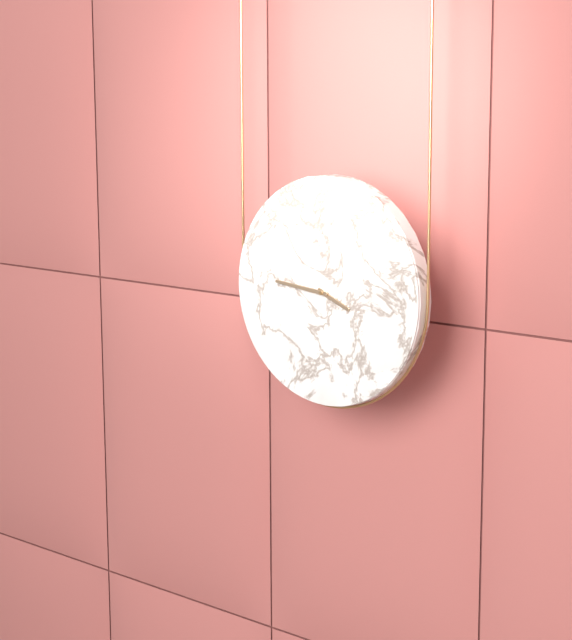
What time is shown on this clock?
3:46
